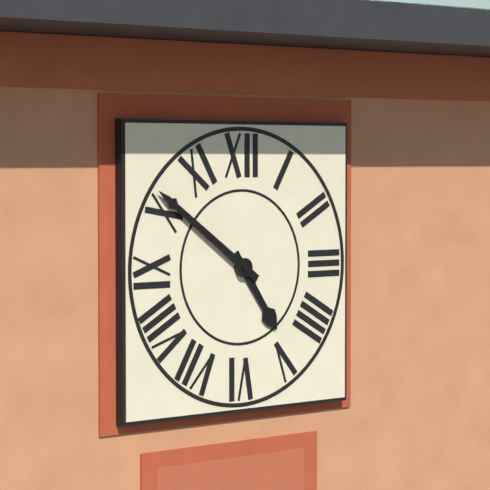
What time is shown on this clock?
4:51
